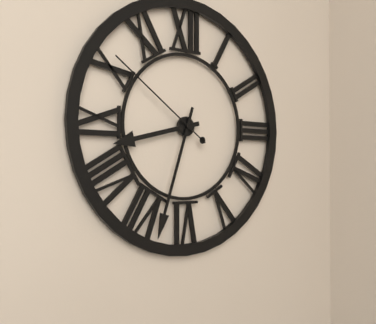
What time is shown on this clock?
8:33:51
